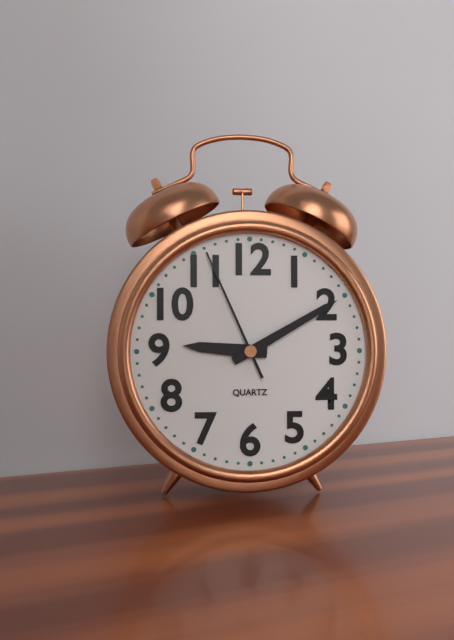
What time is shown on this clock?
9:10:56
